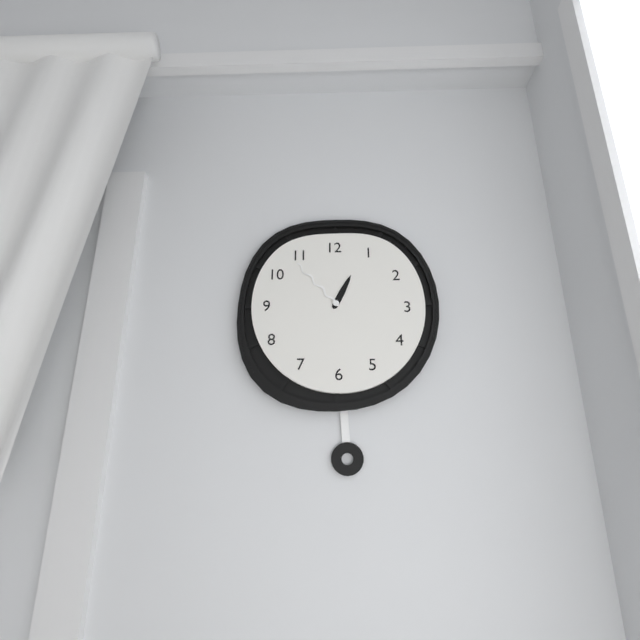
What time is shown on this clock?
12:53
